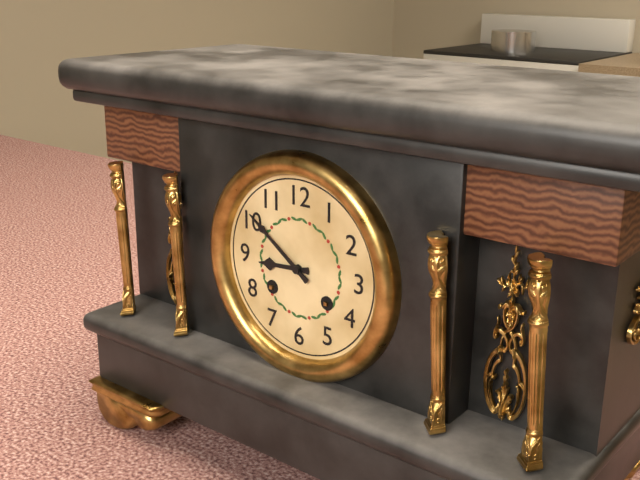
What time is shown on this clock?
8:51
